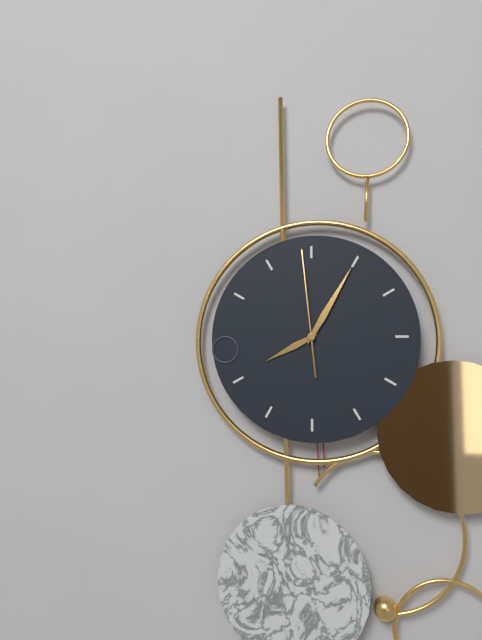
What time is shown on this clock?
8:05:59
